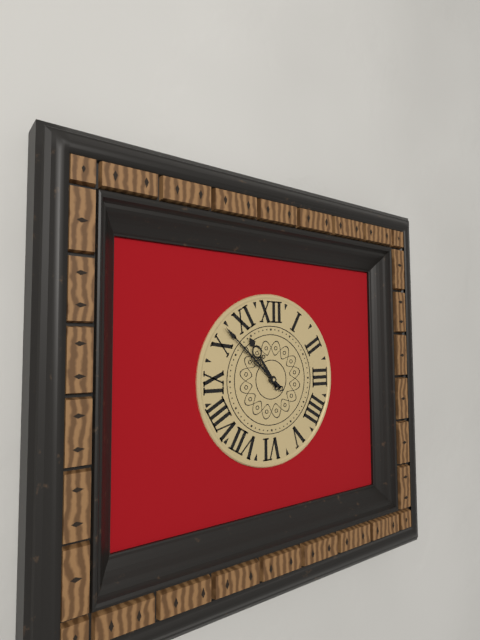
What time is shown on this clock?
10:52
